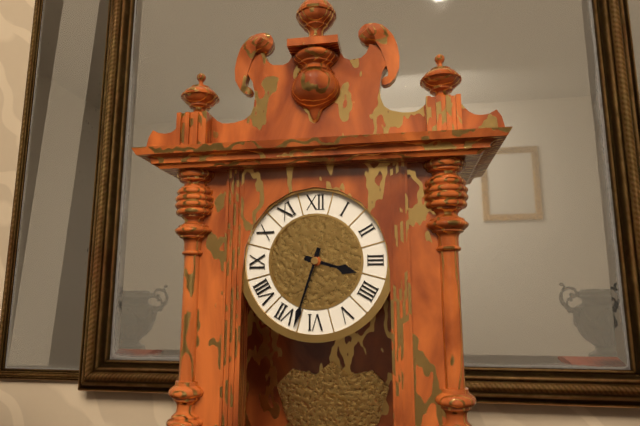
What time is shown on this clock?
3:33
